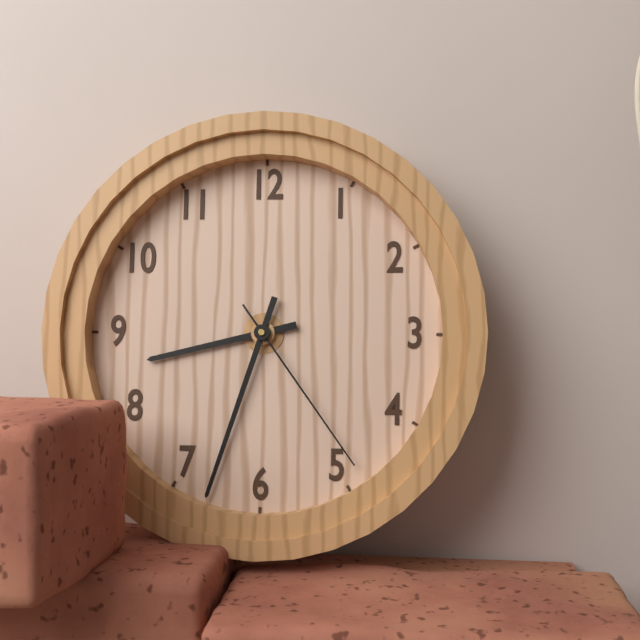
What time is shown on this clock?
8:33:24
